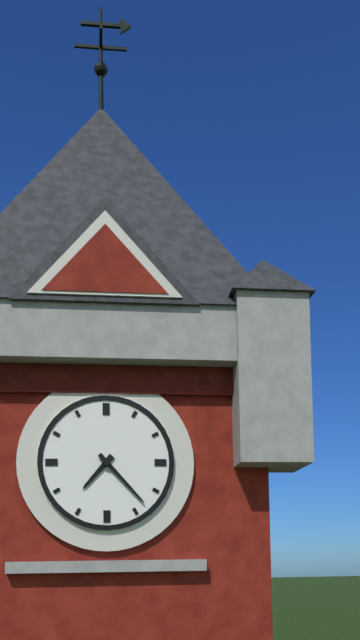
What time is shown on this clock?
7:23
